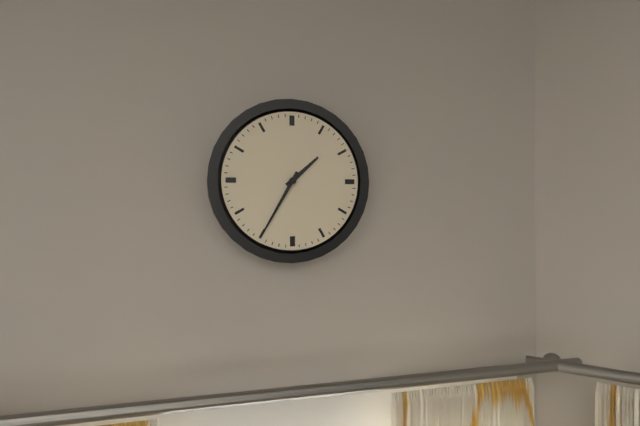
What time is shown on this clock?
1:35
